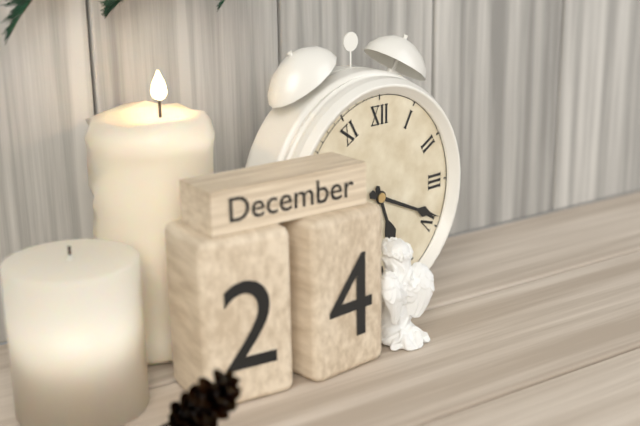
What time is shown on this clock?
5:19
